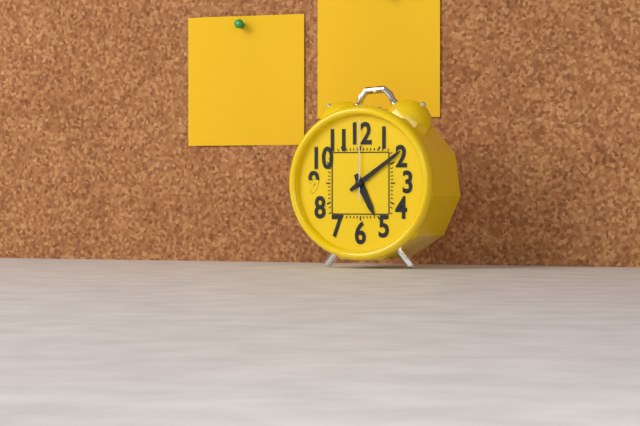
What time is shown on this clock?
5:09:00
